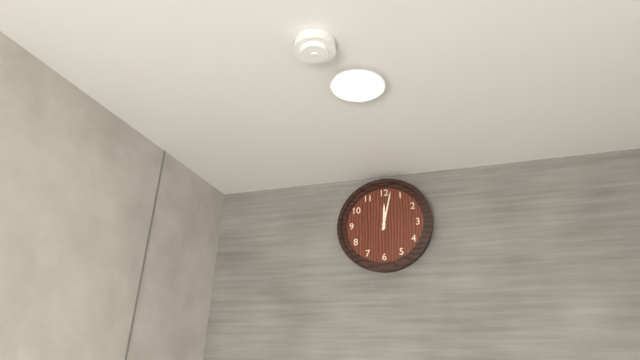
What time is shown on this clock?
12:02
